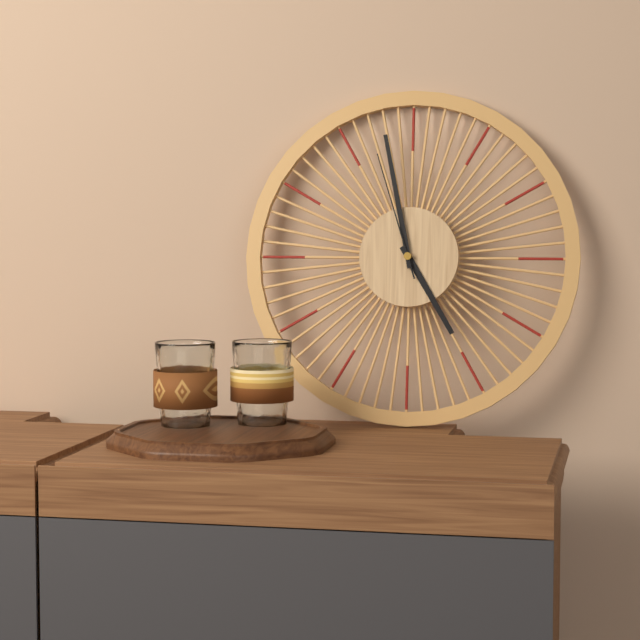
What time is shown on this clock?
4:58:57
